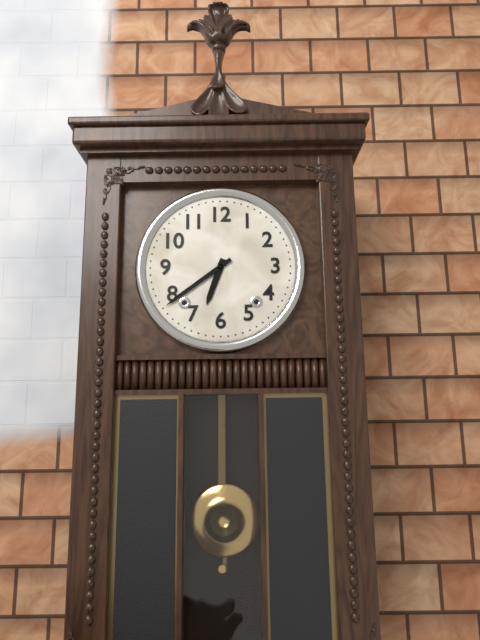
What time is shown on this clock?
6:39
